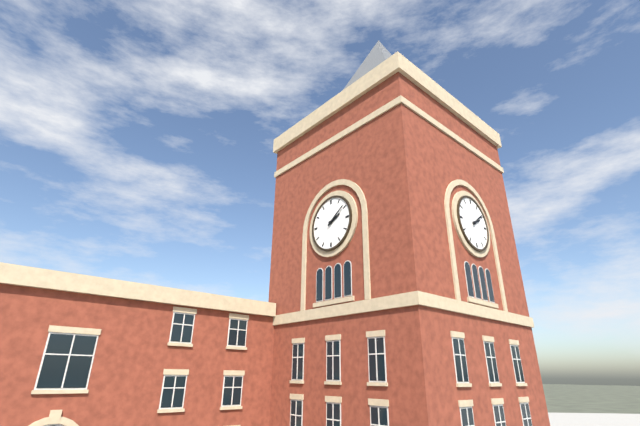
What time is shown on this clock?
2:09
